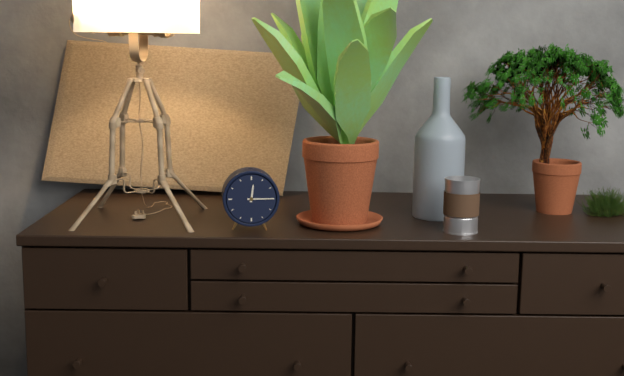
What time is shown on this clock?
12:15
